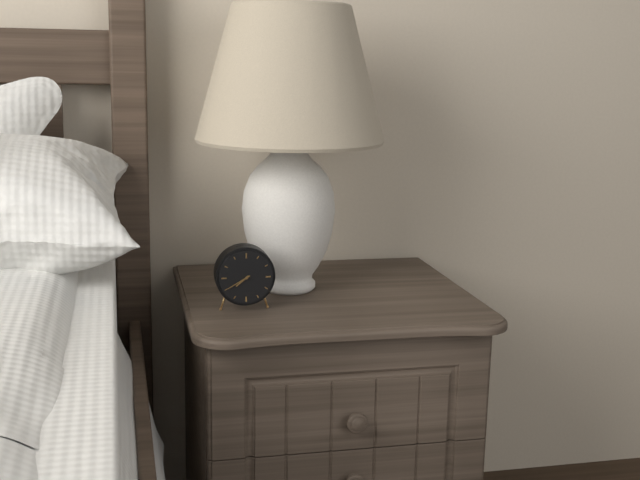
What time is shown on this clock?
7:40
